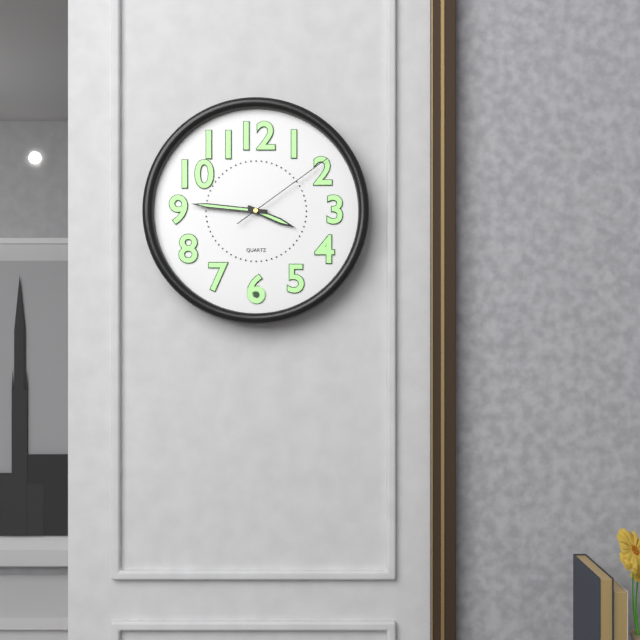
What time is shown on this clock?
3:46:09
